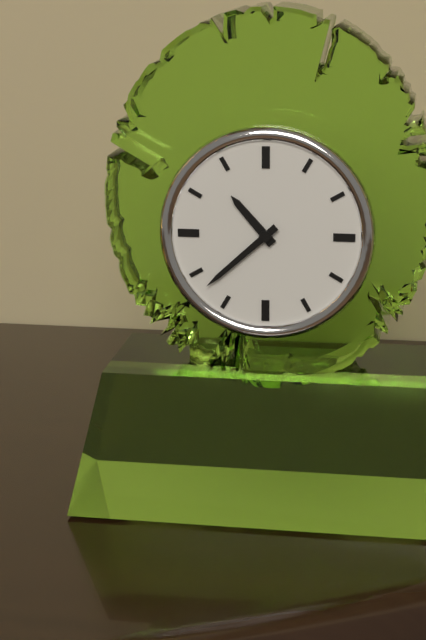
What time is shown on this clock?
10:38
